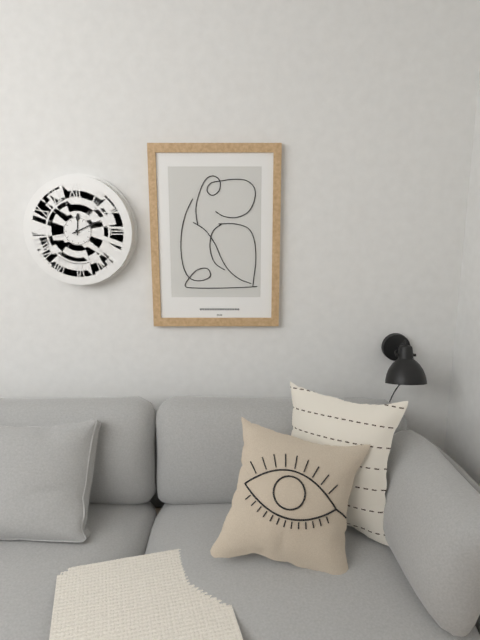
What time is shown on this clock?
12:11
